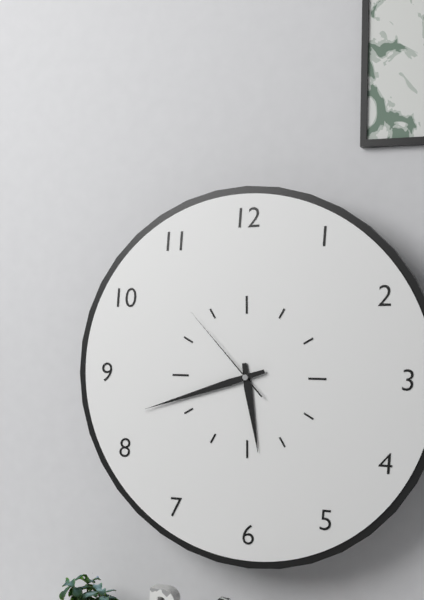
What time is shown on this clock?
5:42:53
